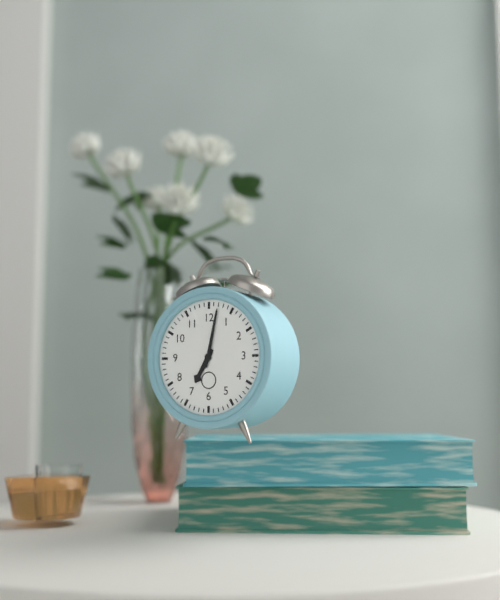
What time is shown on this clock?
7:02
